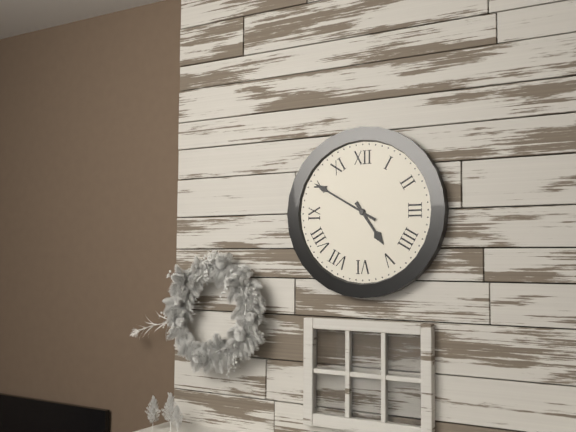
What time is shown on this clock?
4:50
